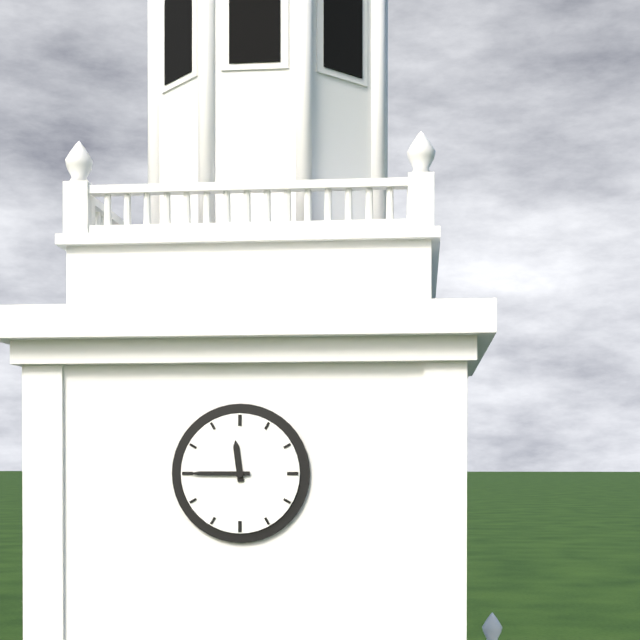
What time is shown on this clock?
11:45
